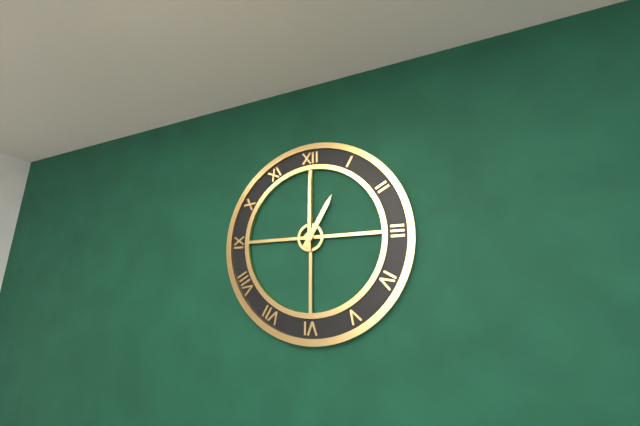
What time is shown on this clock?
1:00
